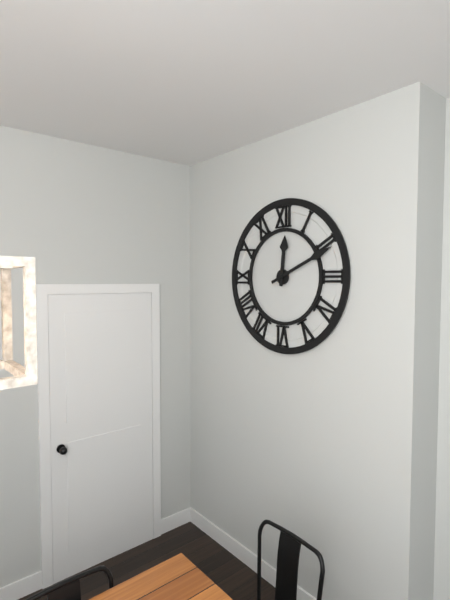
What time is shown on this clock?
12:11
